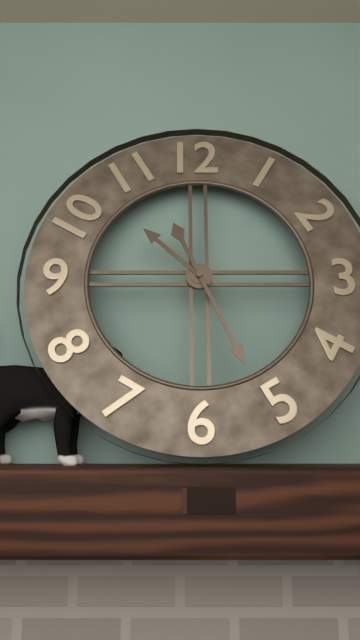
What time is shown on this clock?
10:26
